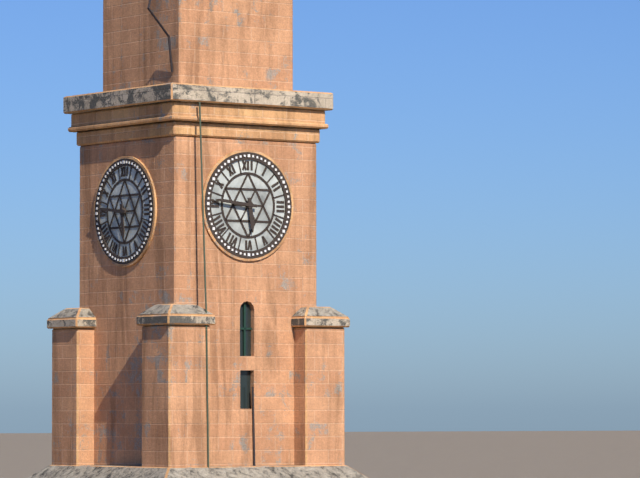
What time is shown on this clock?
5:46
